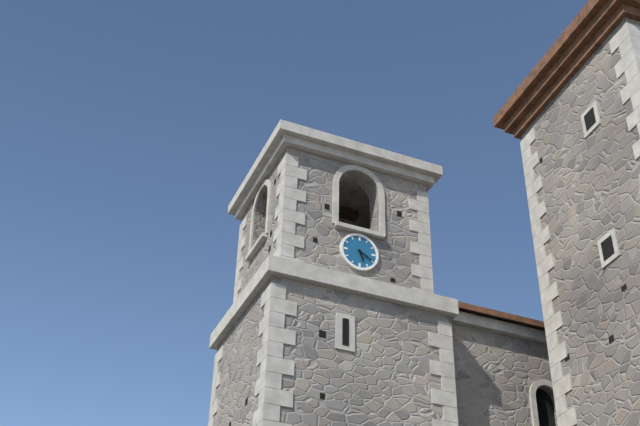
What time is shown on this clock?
5:20
